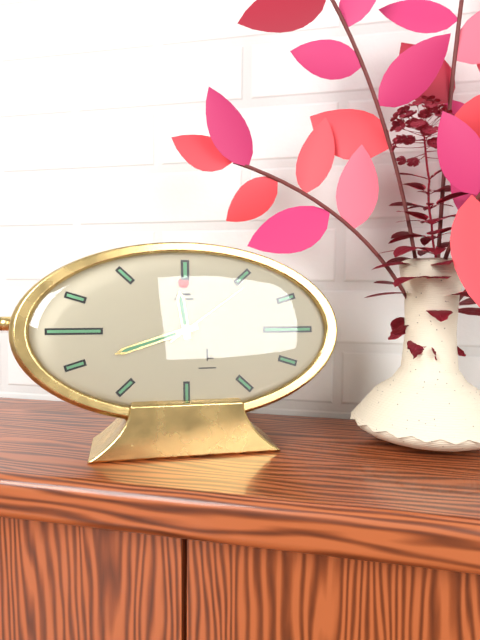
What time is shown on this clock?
11:42:09
